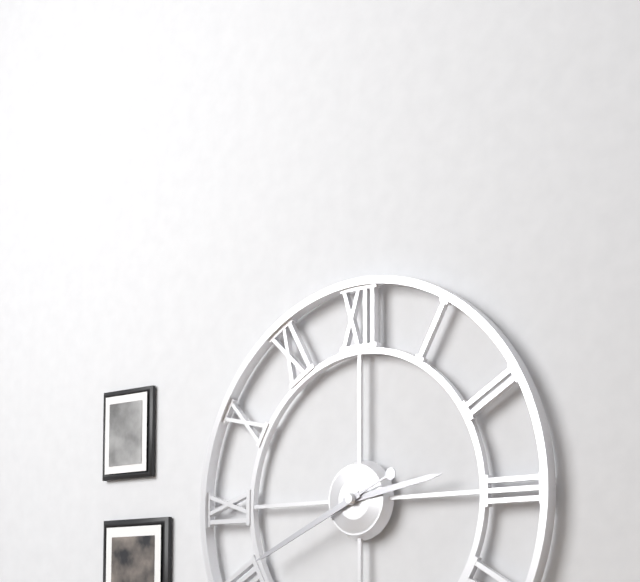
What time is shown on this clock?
2:41
